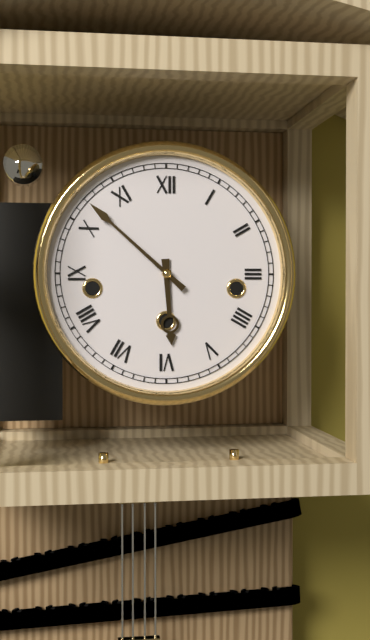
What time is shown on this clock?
5:52
